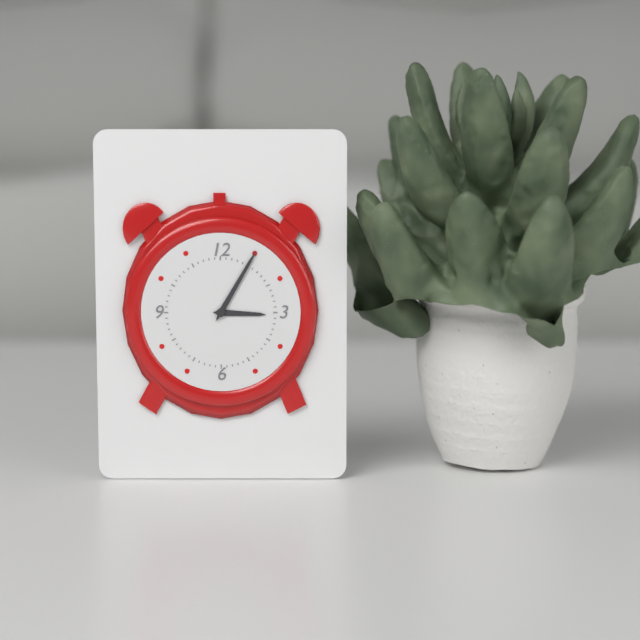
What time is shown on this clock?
3:05
